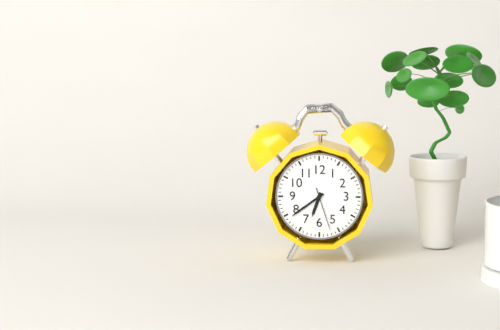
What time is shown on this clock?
6:39
